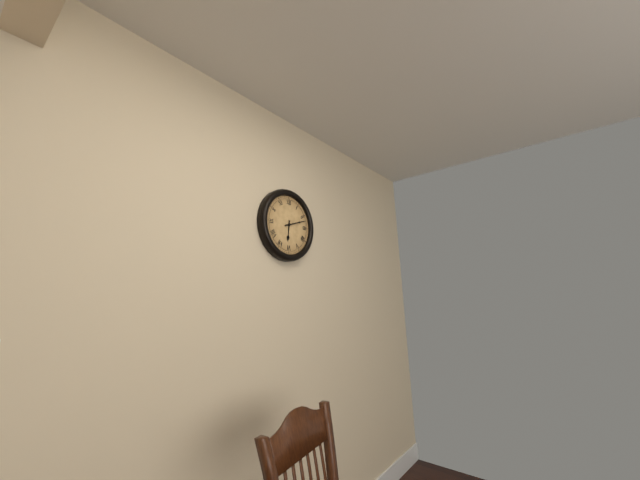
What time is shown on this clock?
6:12
